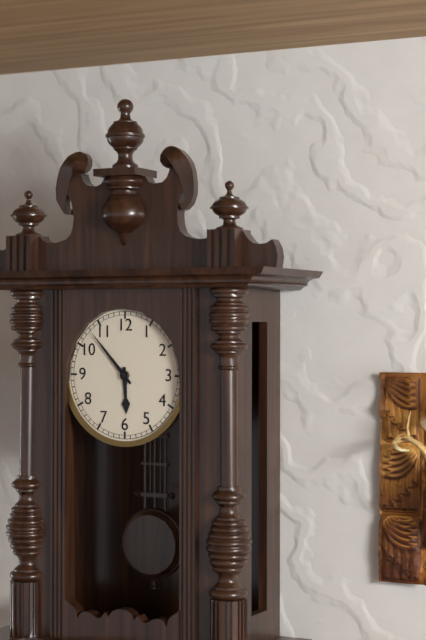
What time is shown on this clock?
5:53
